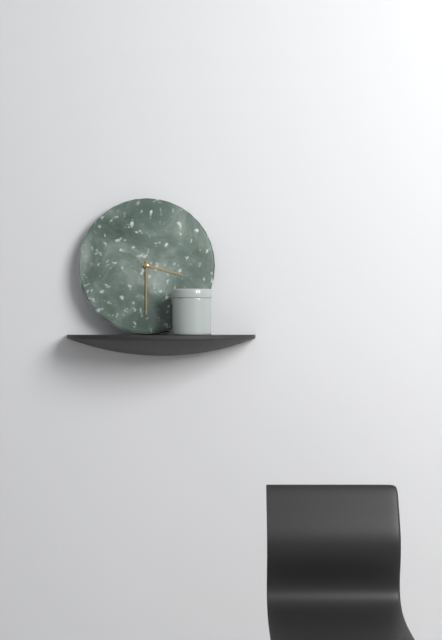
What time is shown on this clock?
3:30
